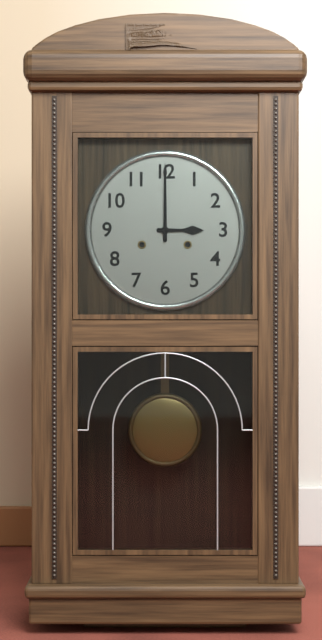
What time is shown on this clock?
3:00
